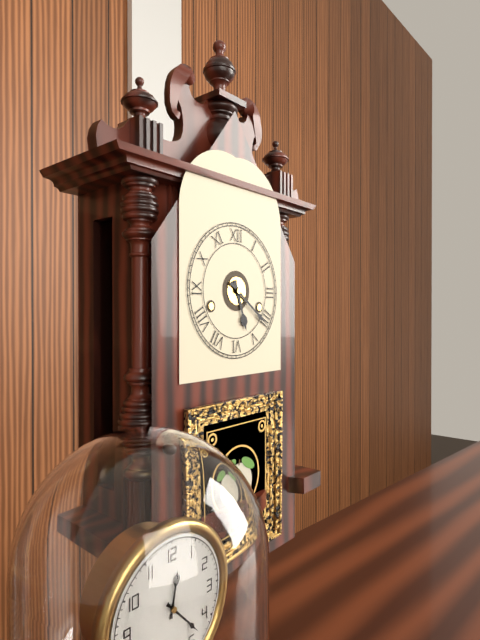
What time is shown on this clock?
5:21
